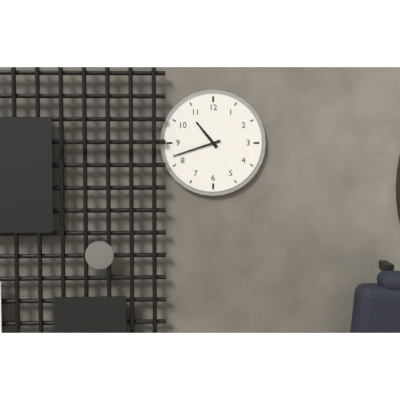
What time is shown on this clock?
10:42
